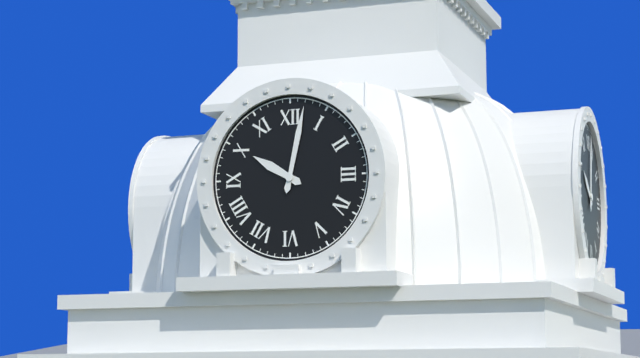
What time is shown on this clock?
10:02
